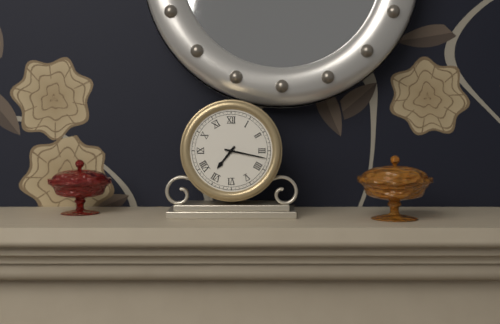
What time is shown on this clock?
7:17
